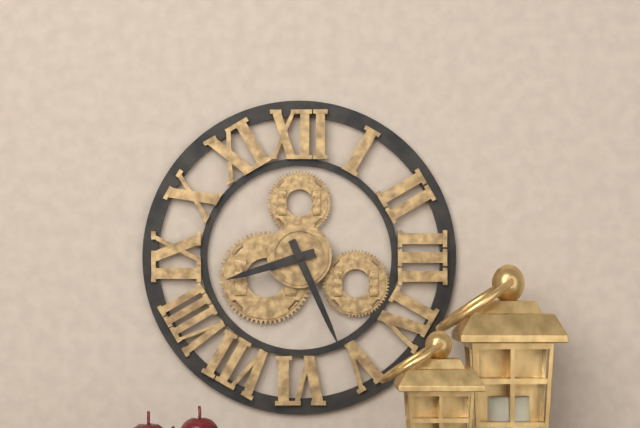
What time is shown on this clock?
8:26
